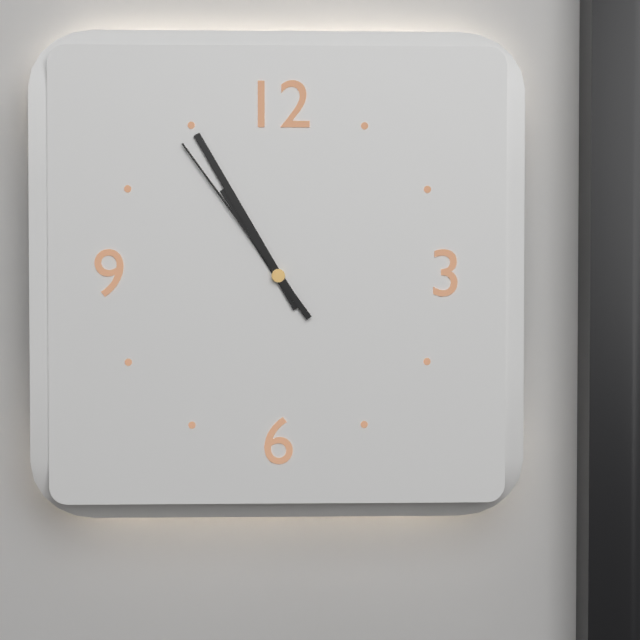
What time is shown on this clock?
10:55:54
